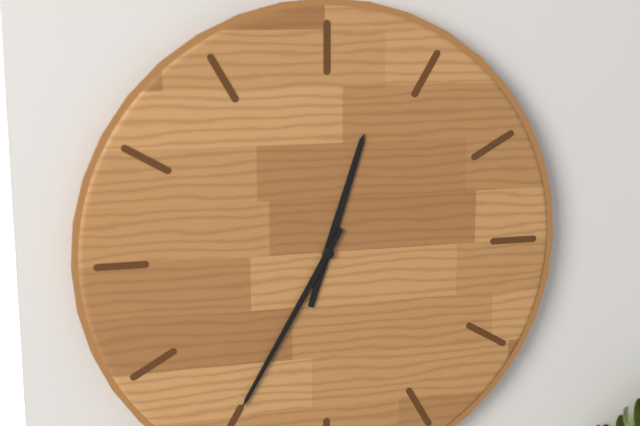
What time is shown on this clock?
12:35
